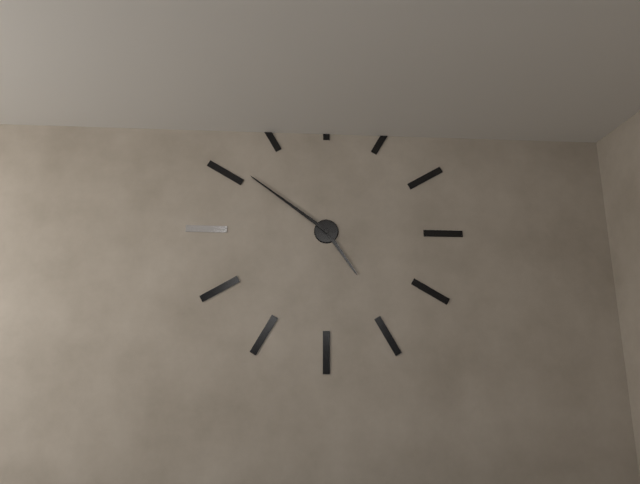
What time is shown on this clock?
4:51
